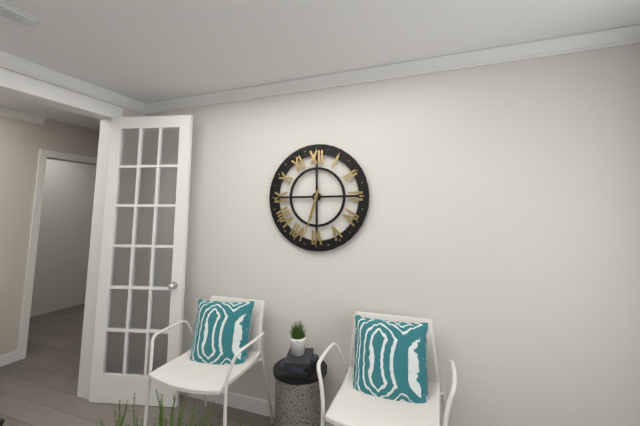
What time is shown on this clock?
6:33
